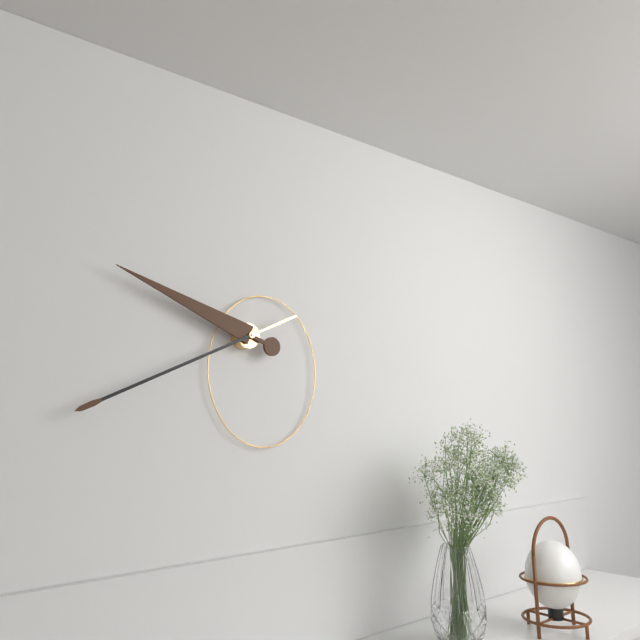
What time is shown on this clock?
9:41
